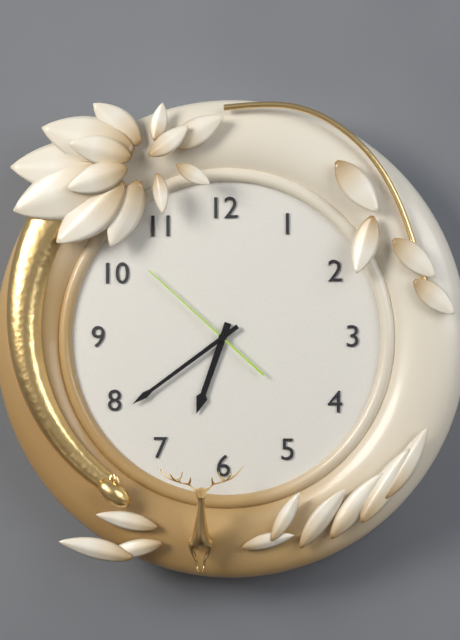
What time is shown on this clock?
6:39:52
